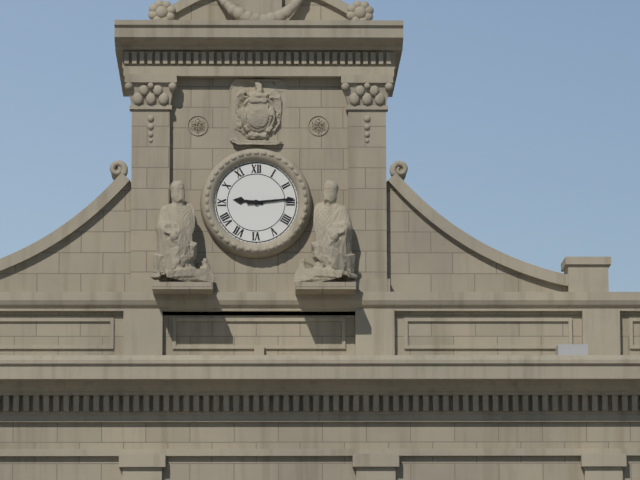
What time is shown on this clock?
9:14
